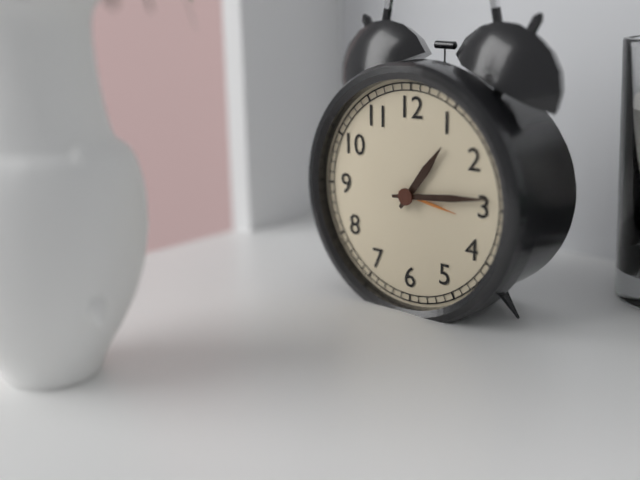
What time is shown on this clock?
1:14
